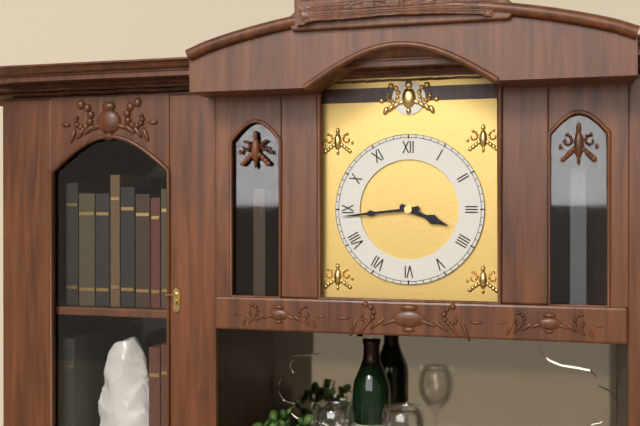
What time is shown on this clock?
3:44
